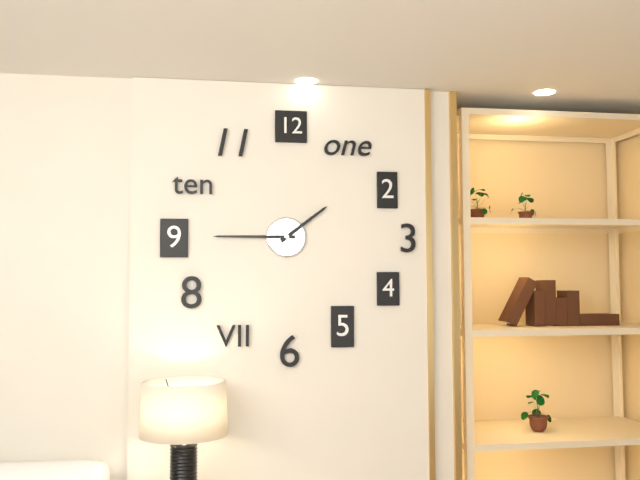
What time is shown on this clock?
1:45
